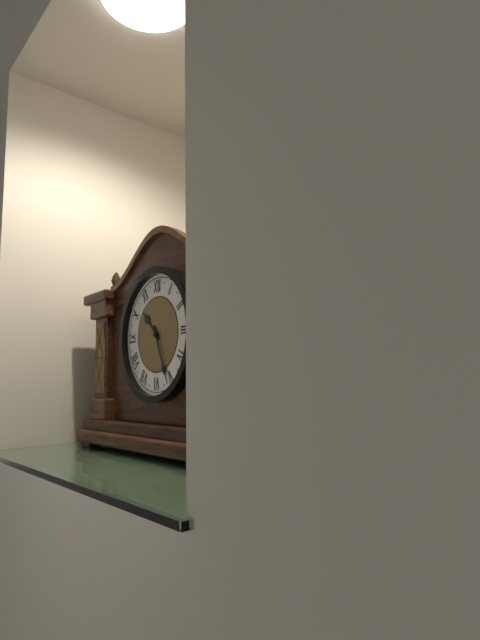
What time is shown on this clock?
10:26
